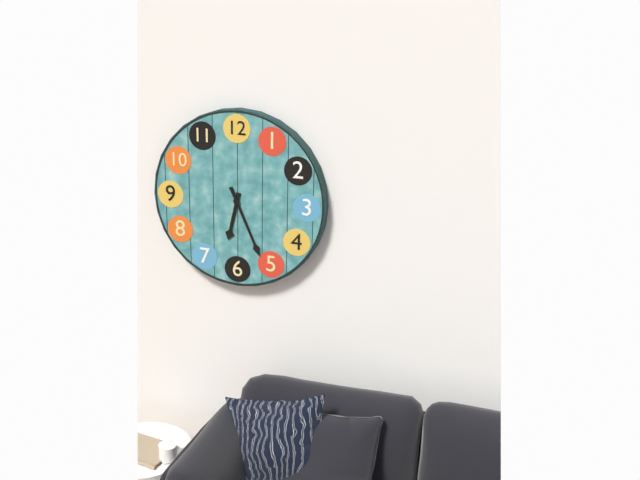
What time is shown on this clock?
6:26
